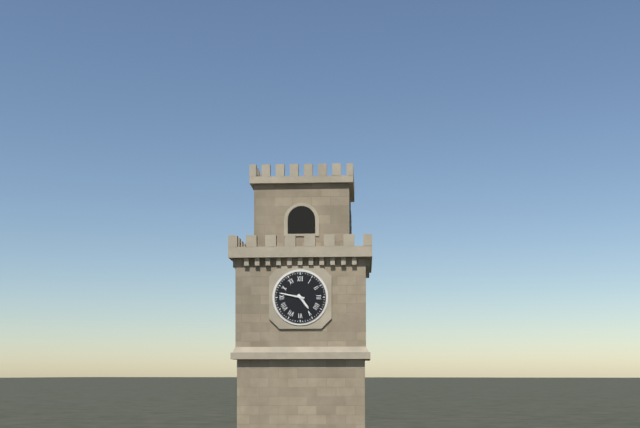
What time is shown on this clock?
4:47
